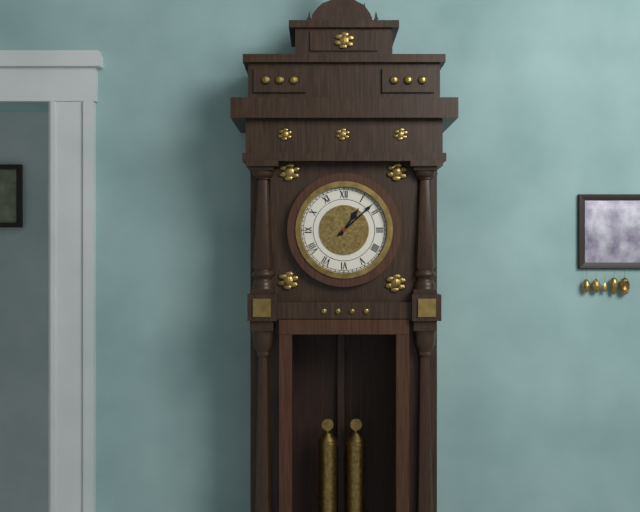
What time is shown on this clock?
1:08
